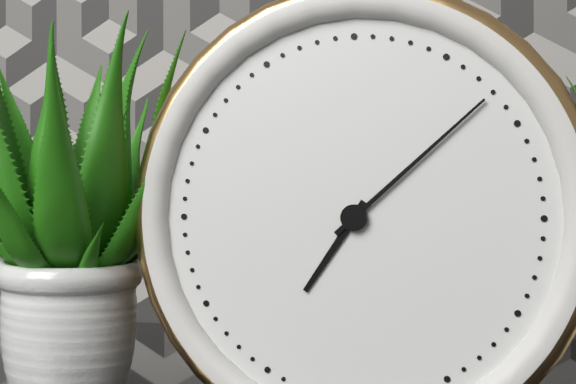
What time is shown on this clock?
7:08
